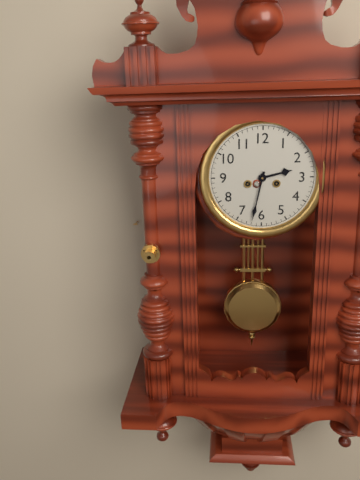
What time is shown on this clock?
2:32
